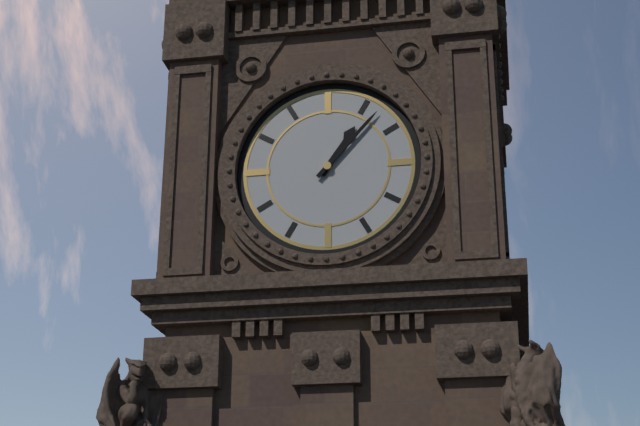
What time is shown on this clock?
1:07
